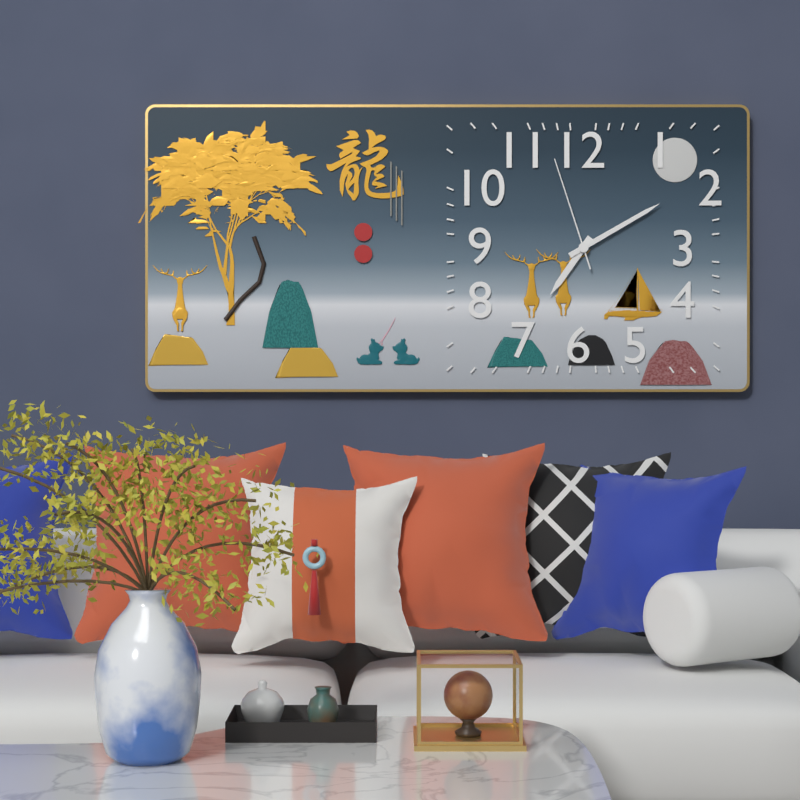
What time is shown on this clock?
7:10:57
